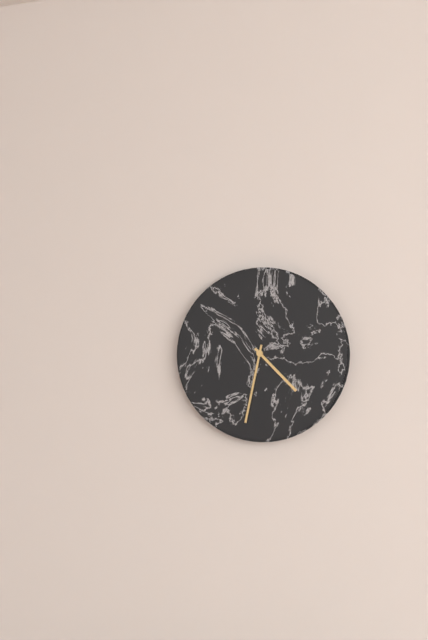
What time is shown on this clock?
4:32
